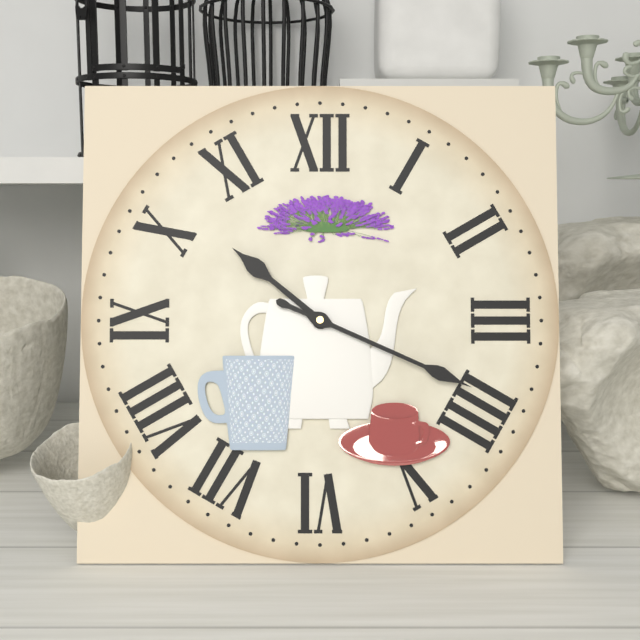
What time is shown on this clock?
10:19
